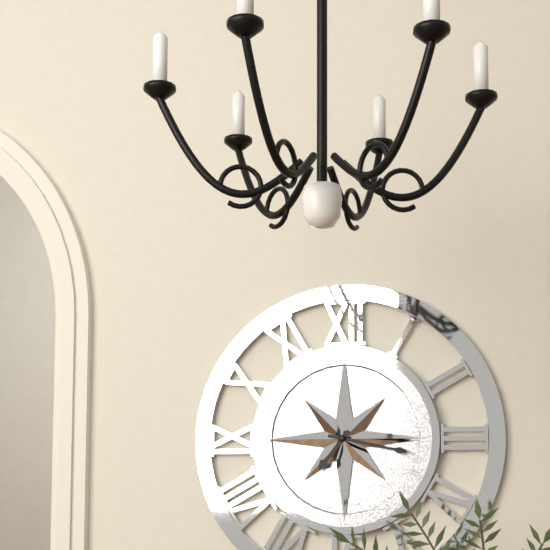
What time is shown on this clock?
7:17
